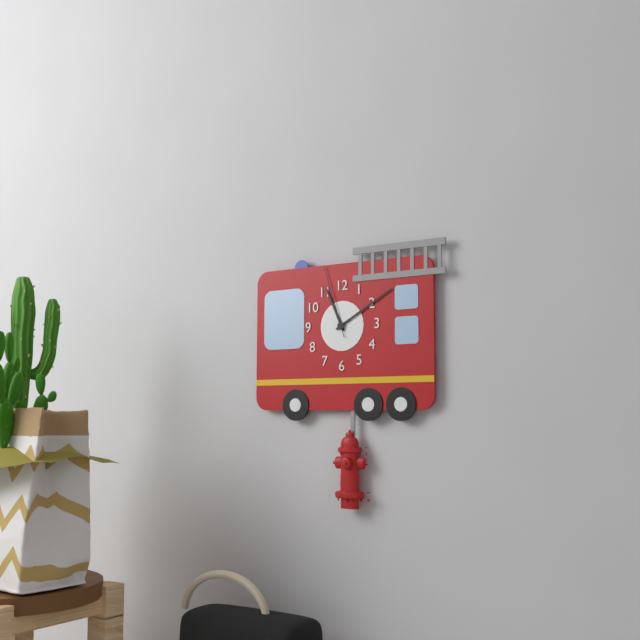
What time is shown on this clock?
11:10:57
